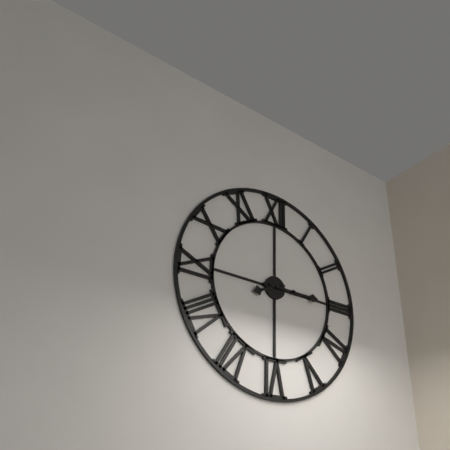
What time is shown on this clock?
8:15
